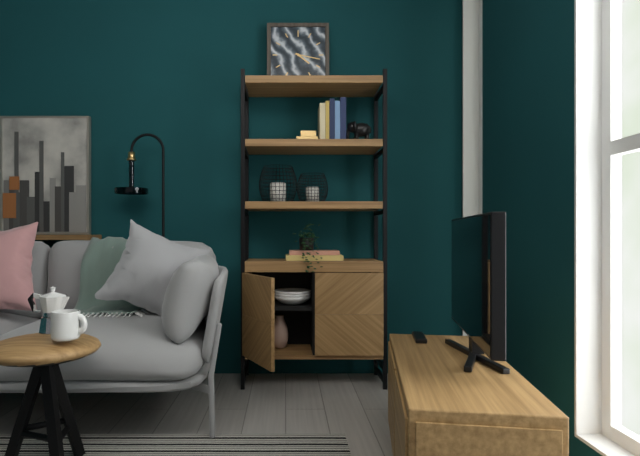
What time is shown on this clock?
4:17
